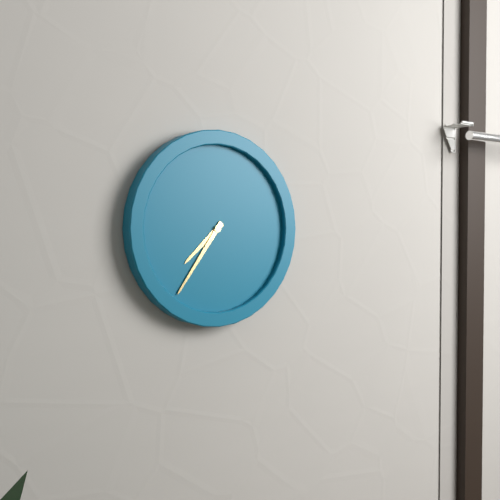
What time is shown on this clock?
7:36
